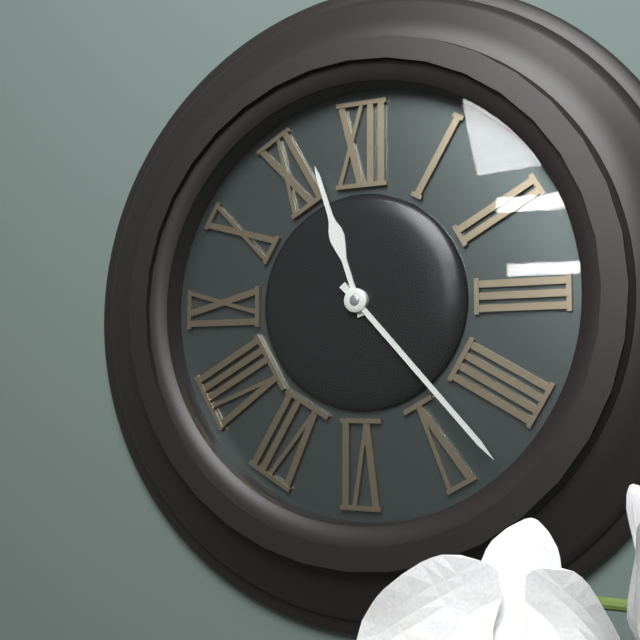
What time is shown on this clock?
11:23
